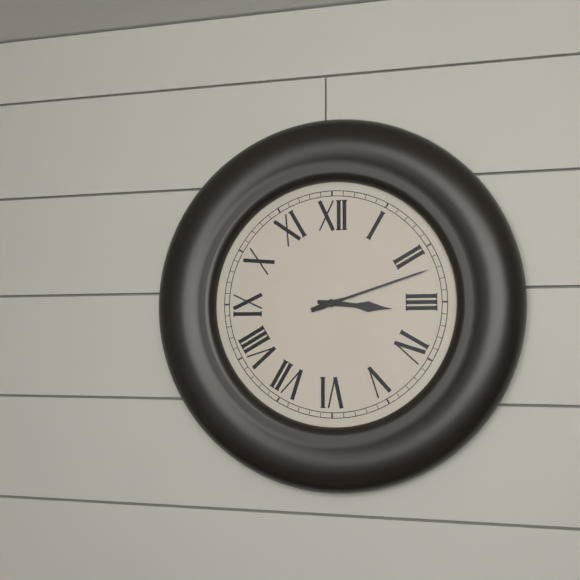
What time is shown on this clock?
3:12
